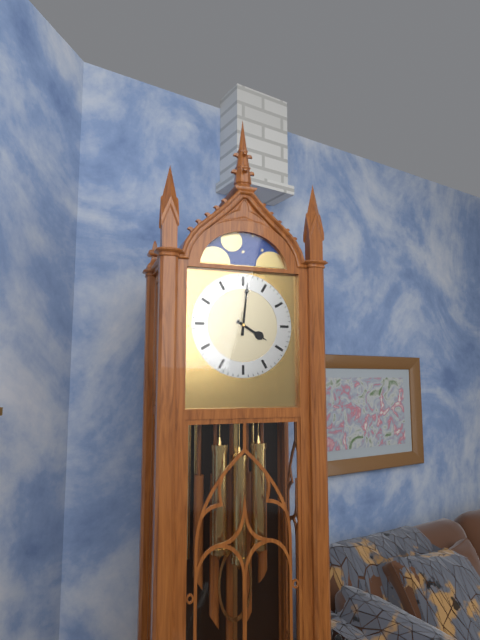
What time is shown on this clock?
4:01
